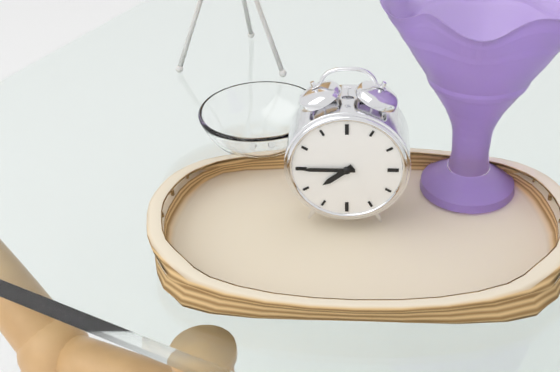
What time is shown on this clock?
7:45
